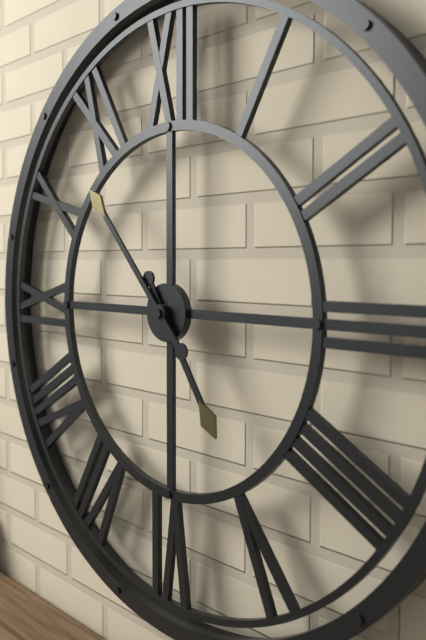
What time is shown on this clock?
4:53
